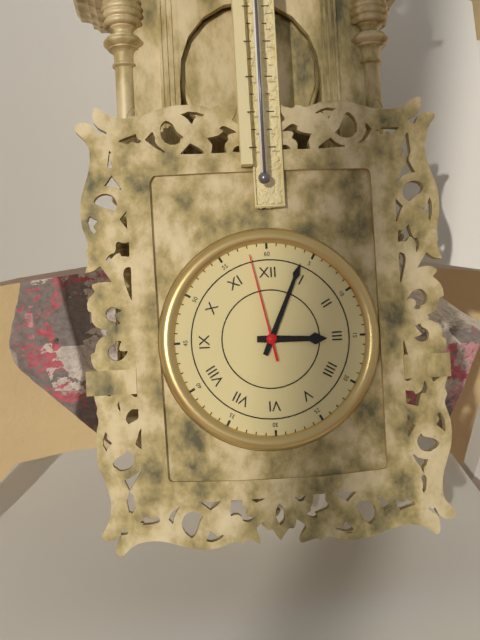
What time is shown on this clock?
3:04:58
